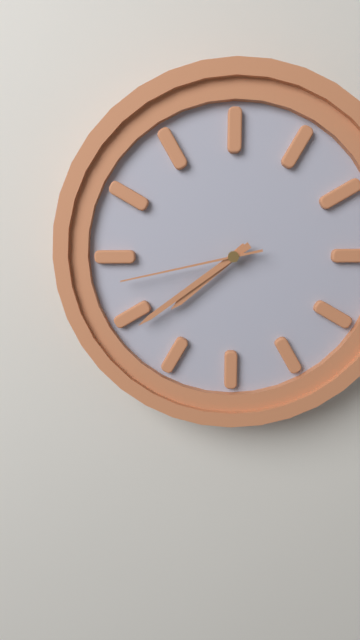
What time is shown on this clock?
7:39:43
